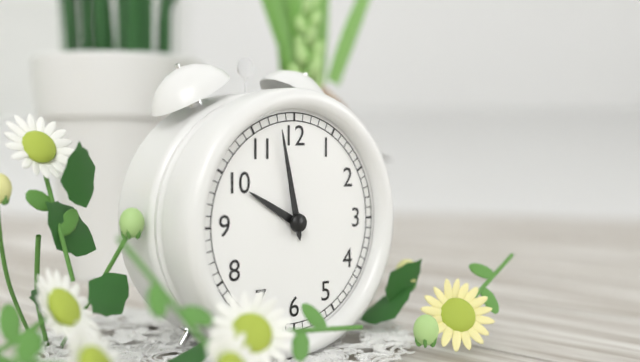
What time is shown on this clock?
9:58
